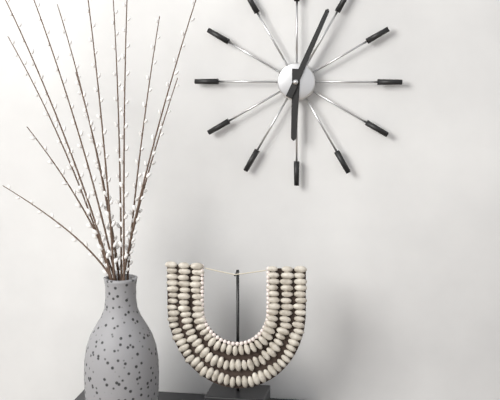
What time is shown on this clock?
6:04
